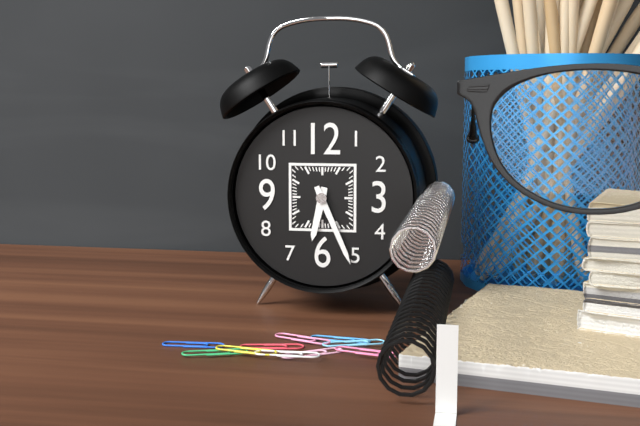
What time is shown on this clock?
6:26
